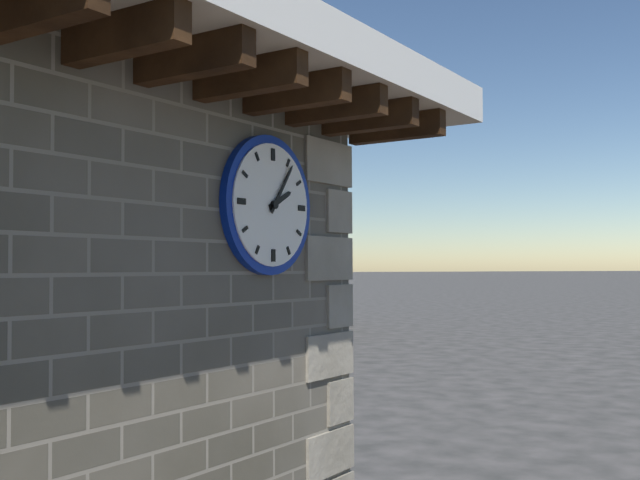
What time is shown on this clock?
2:06
